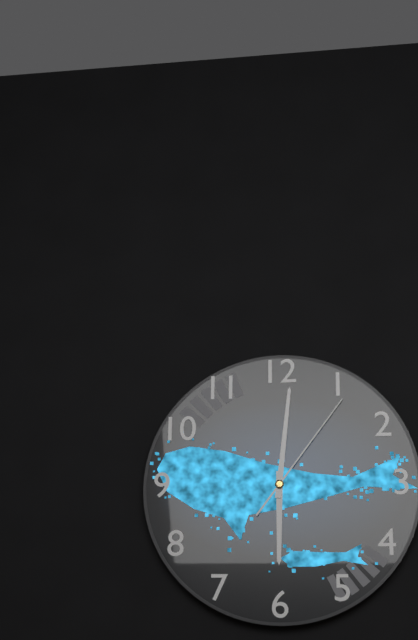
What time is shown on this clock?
6:01:06
